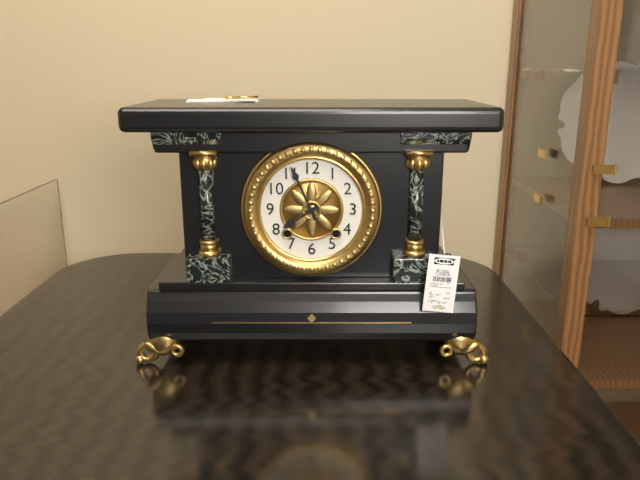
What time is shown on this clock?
7:56
